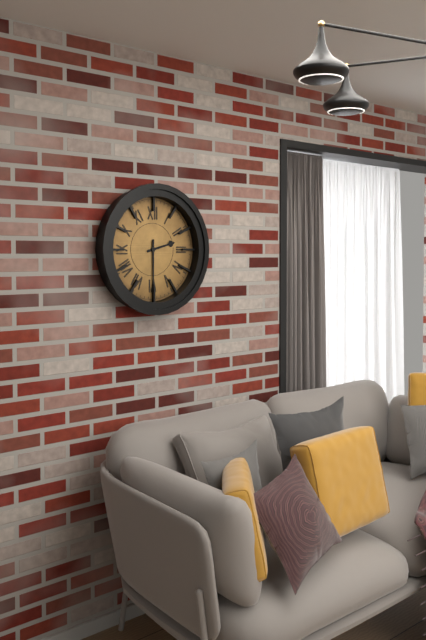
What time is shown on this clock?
2:30
